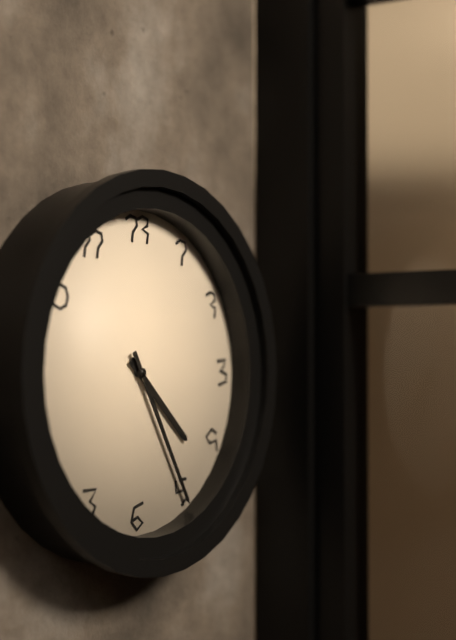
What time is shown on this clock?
4:25
